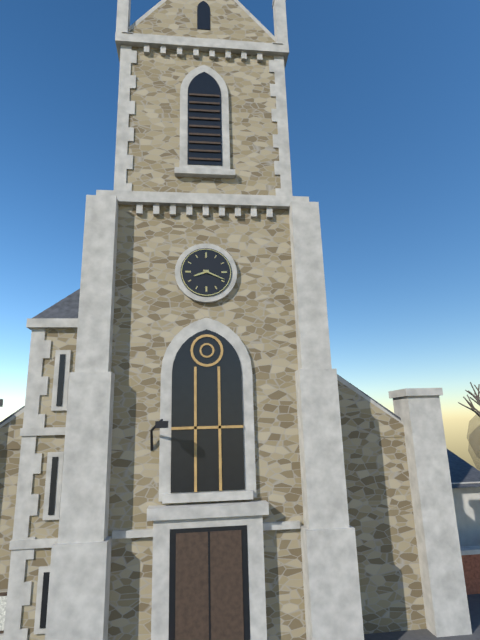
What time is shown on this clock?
8:19
